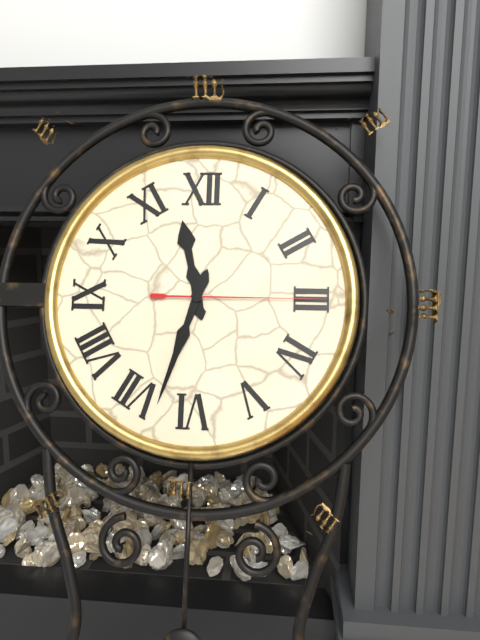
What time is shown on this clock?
11:33:15
